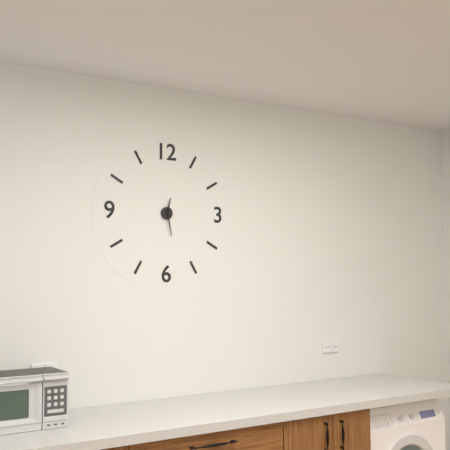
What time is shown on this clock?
12:28
